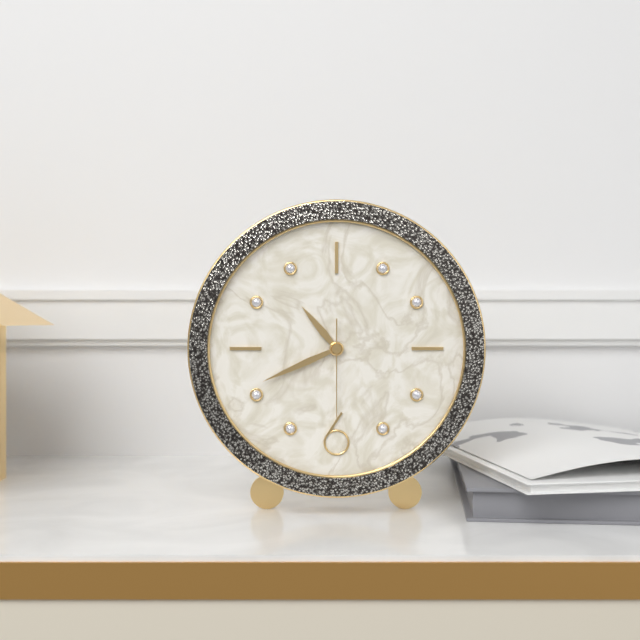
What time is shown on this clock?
10:41:30
